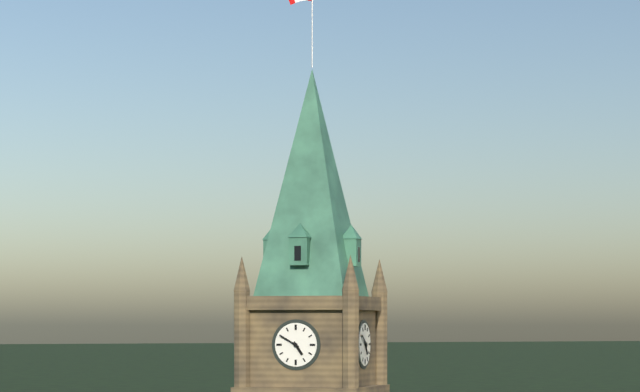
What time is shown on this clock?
4:50
